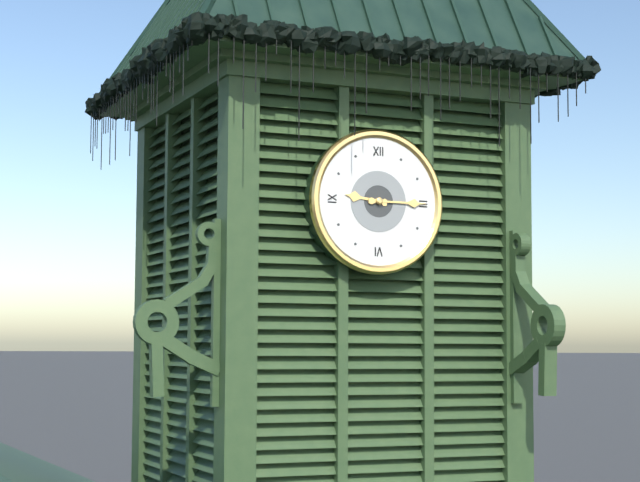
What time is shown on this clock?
9:15
